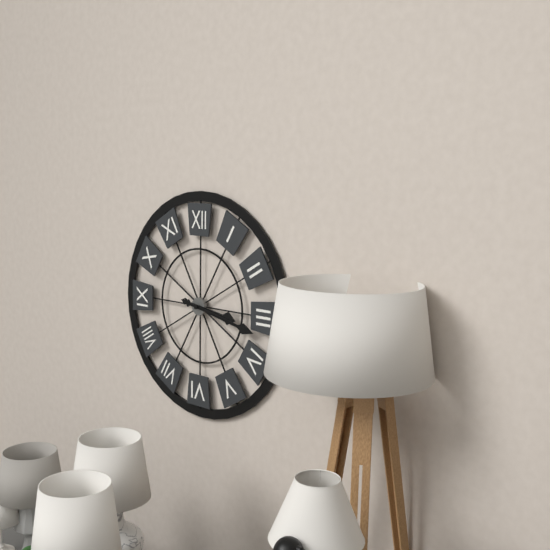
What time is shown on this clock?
3:17
